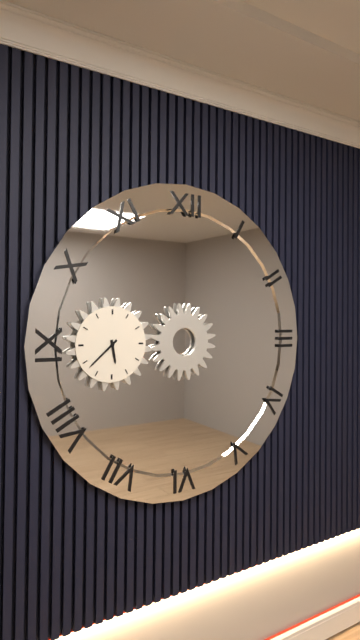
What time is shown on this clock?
5:38
